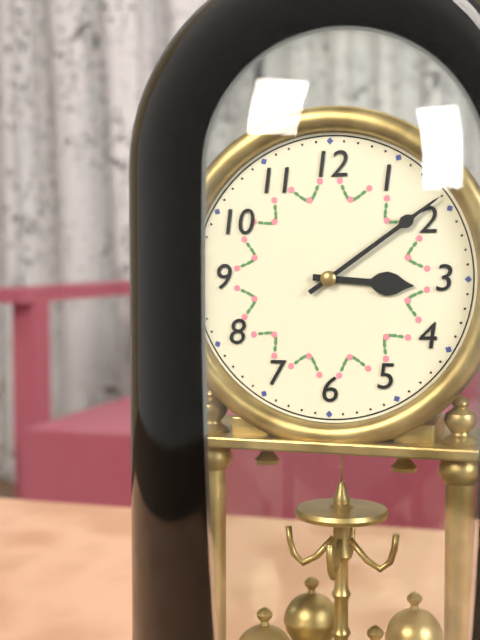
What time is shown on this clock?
3:09
